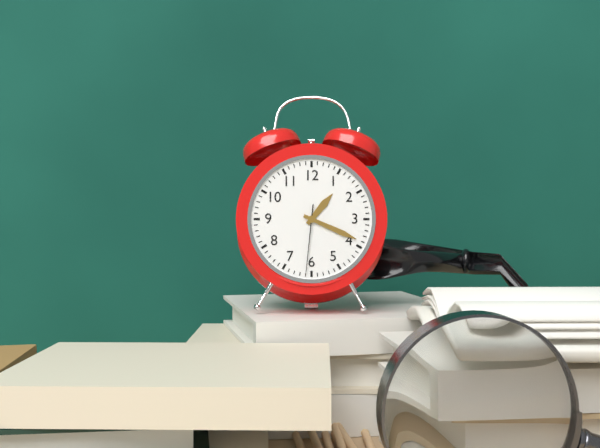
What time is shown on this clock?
1:19:31
